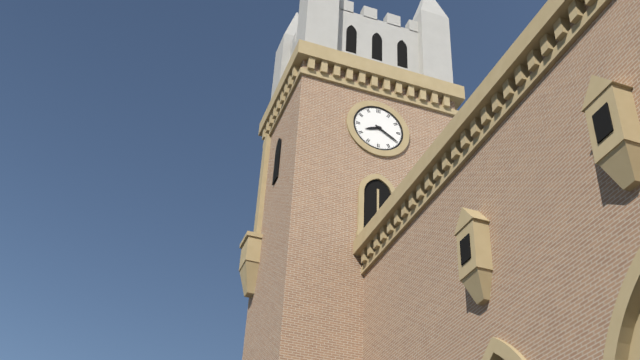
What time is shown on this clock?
8:20
